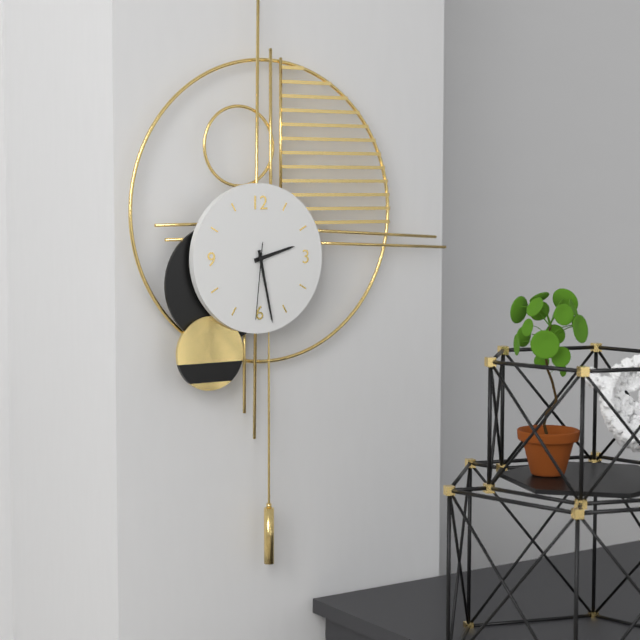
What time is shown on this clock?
2:28:31
